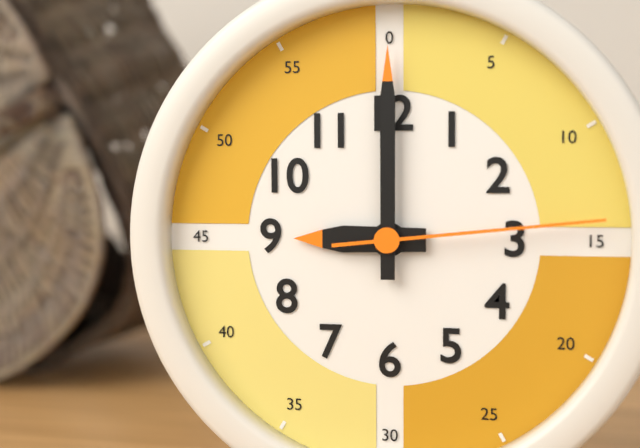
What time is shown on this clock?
9:00:14
